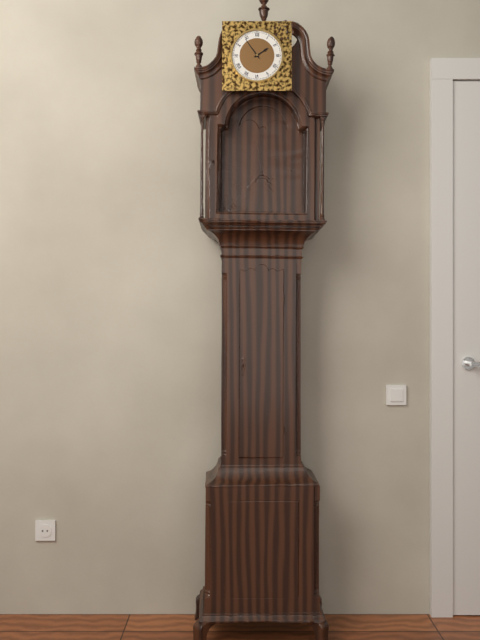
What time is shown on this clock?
1:54
